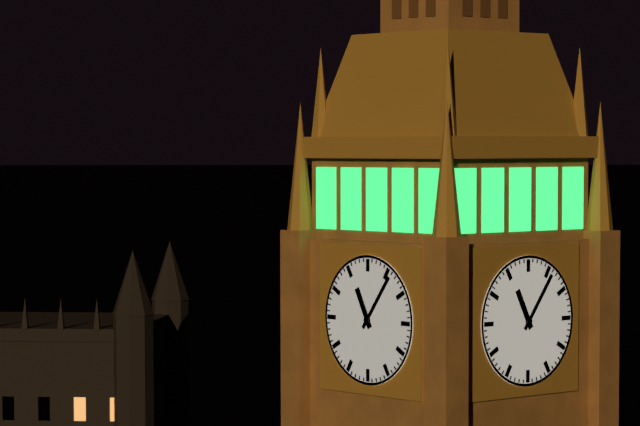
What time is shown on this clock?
11:06
